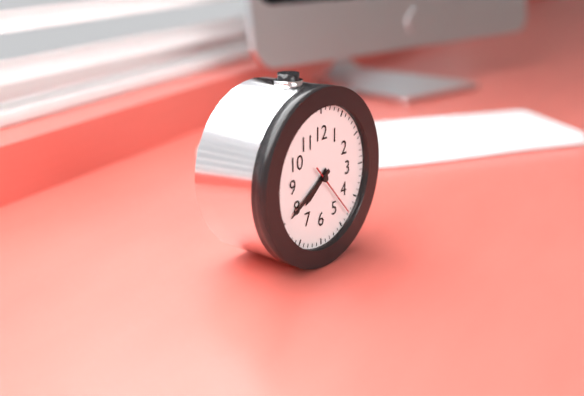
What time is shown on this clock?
7:40:23
